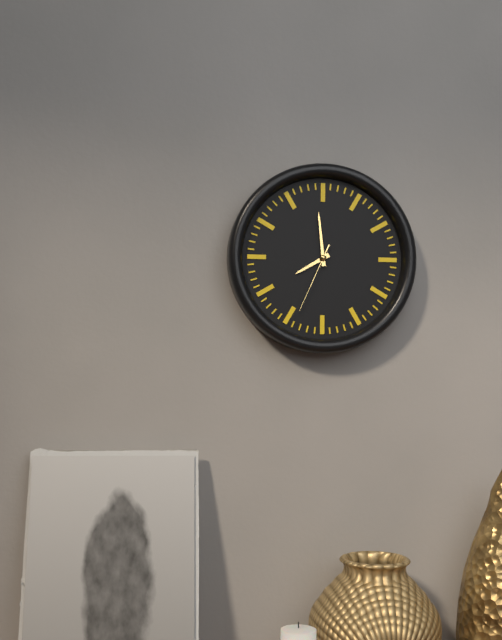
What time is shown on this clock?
7:59:34
